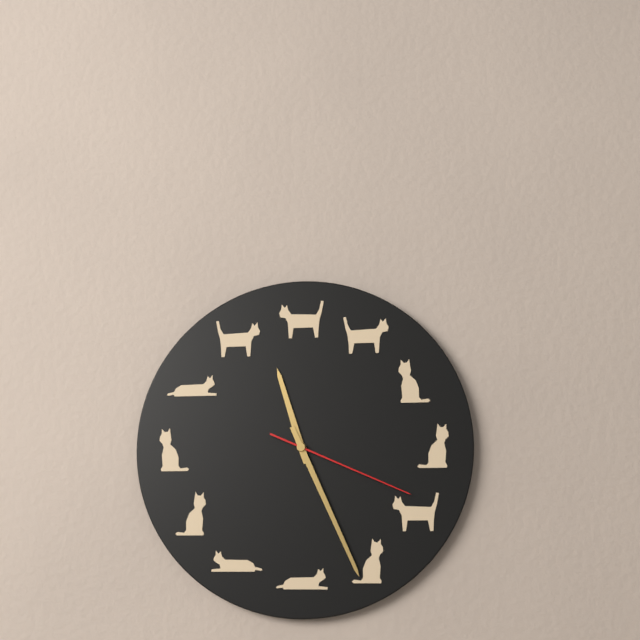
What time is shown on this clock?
11:26:19
